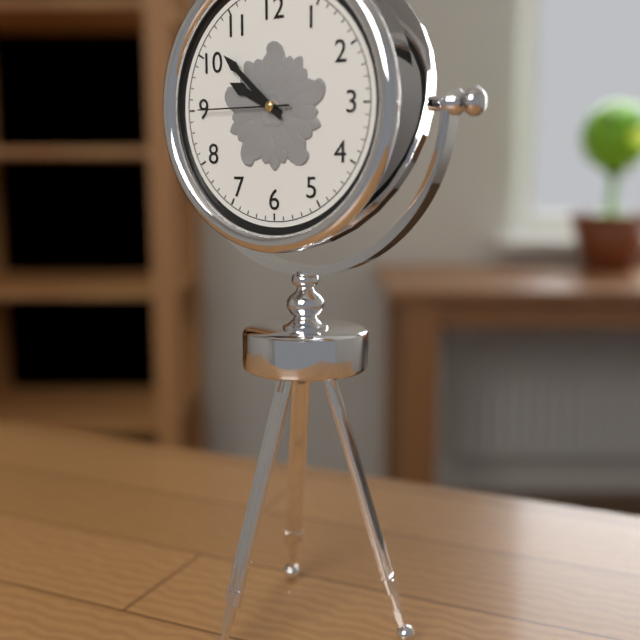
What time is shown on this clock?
9:52:45
